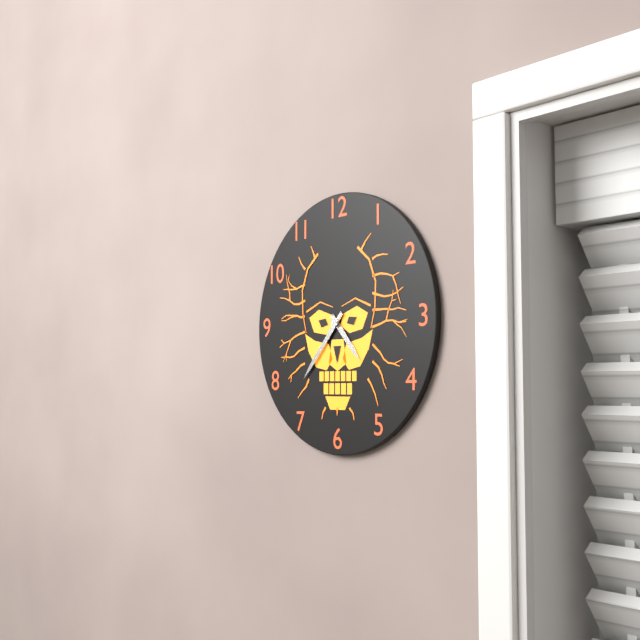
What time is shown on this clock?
4:37
